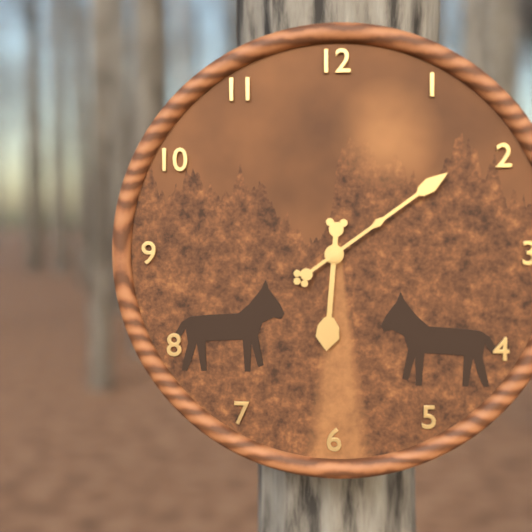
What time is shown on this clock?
6:09
